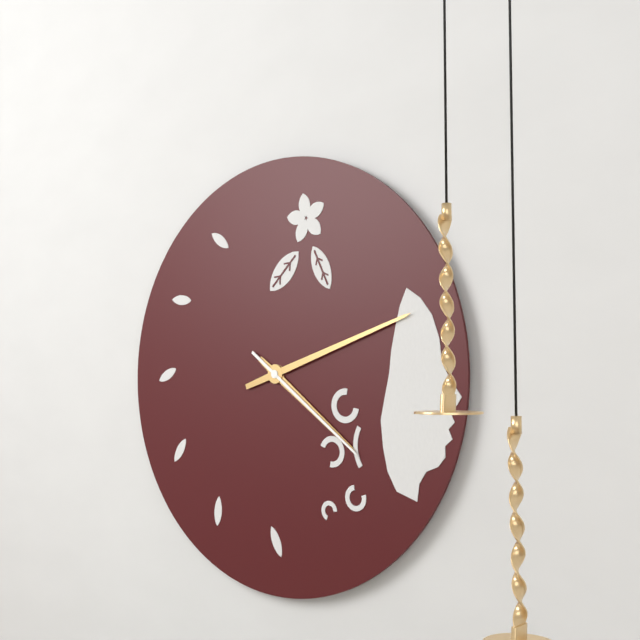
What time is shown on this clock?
4:12:21
